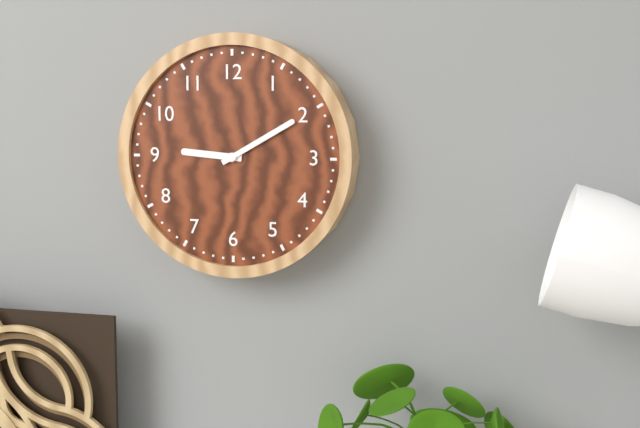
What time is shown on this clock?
9:10
